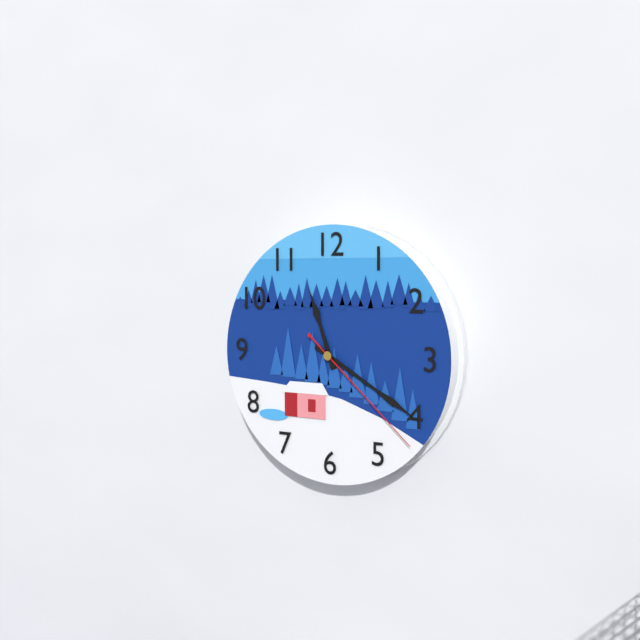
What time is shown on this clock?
11:20:22
